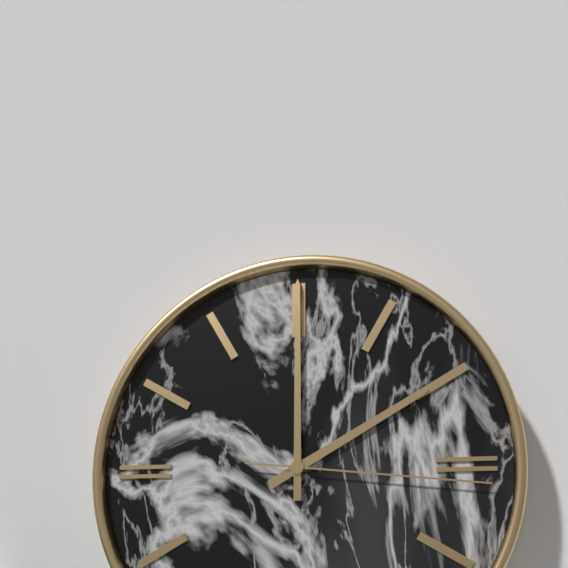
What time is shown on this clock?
2:00:16
